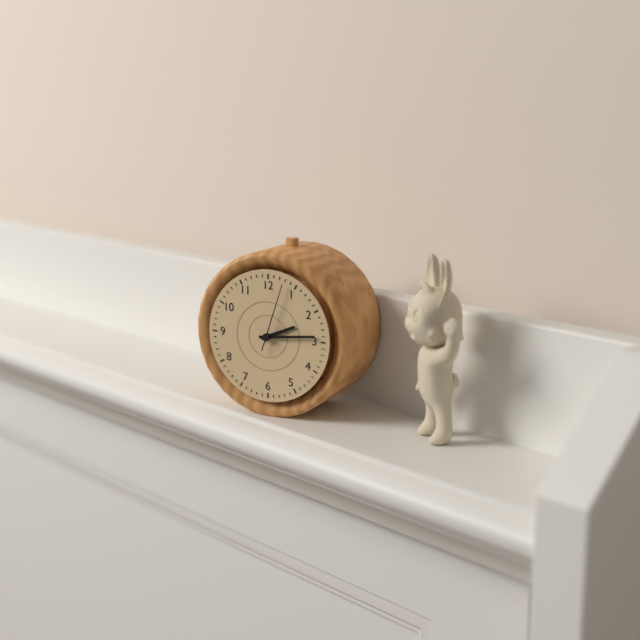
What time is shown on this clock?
2:14:03
